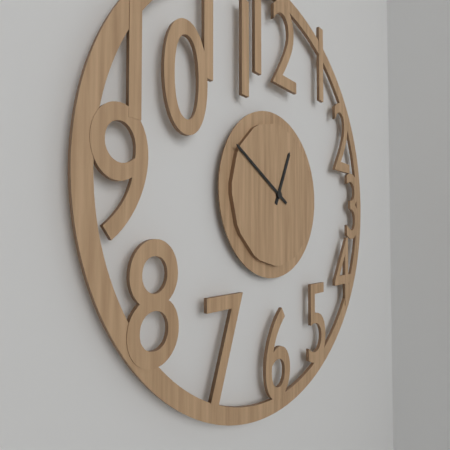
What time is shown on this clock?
12:50
